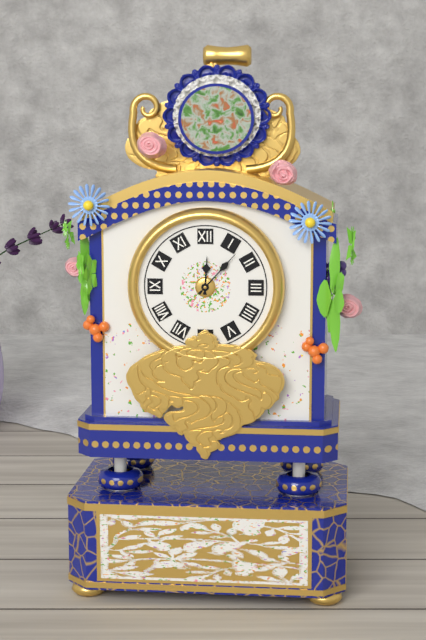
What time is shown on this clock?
12:07
